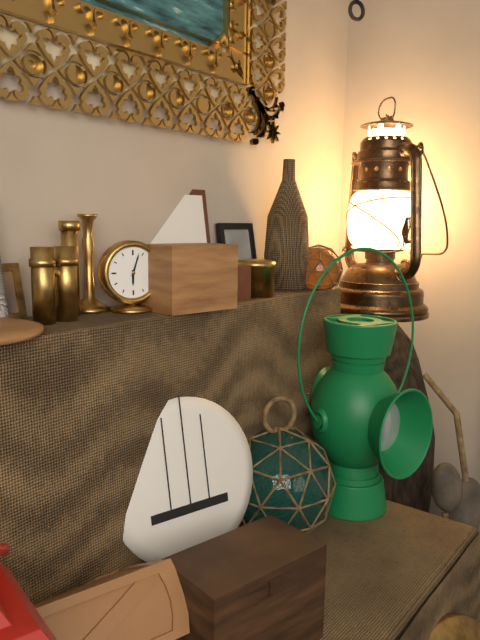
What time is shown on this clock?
6:03
